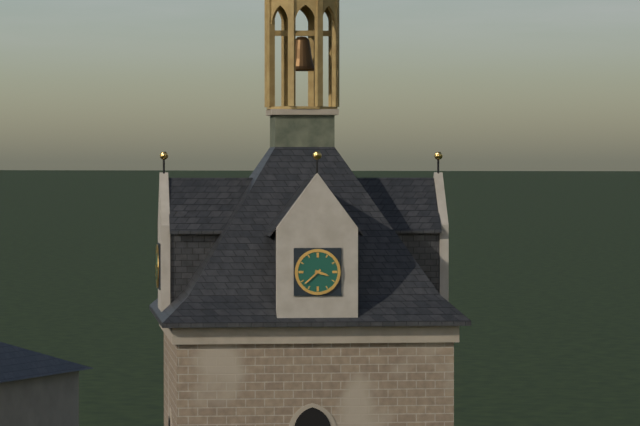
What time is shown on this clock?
3:38
